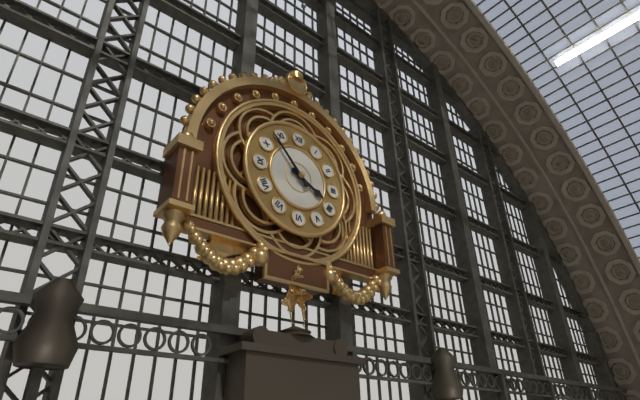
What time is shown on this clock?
3:53
